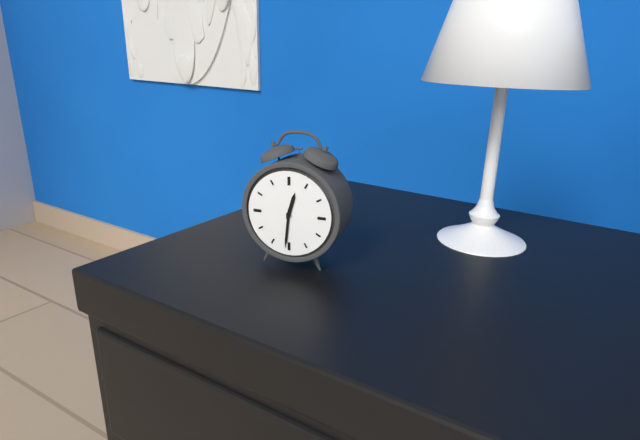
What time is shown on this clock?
12:31
